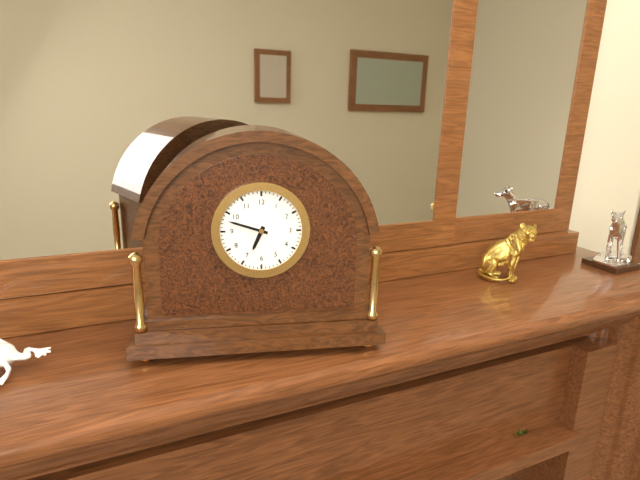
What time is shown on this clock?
6:48
